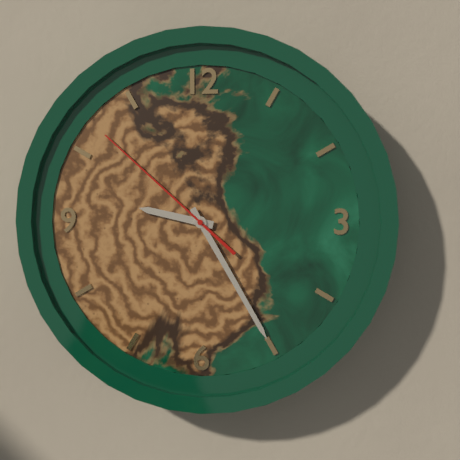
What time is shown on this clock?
9:25:52
